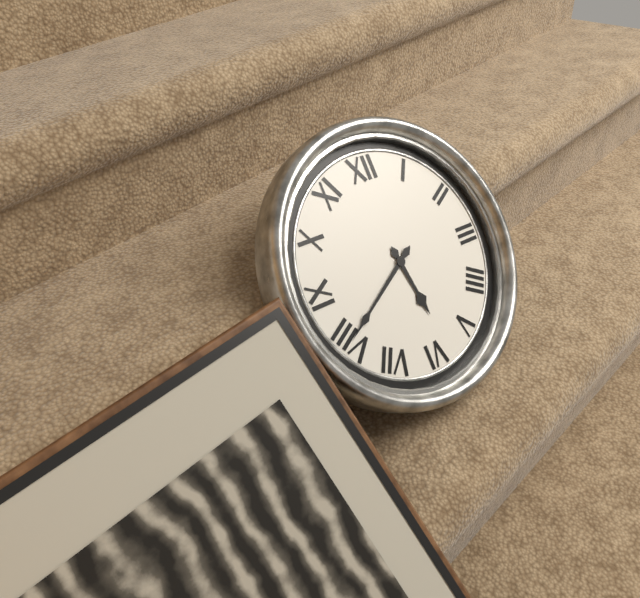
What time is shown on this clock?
5:40
